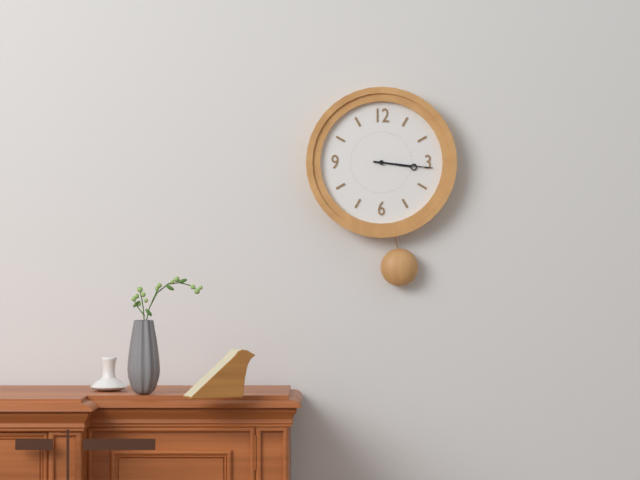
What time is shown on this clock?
3:16
